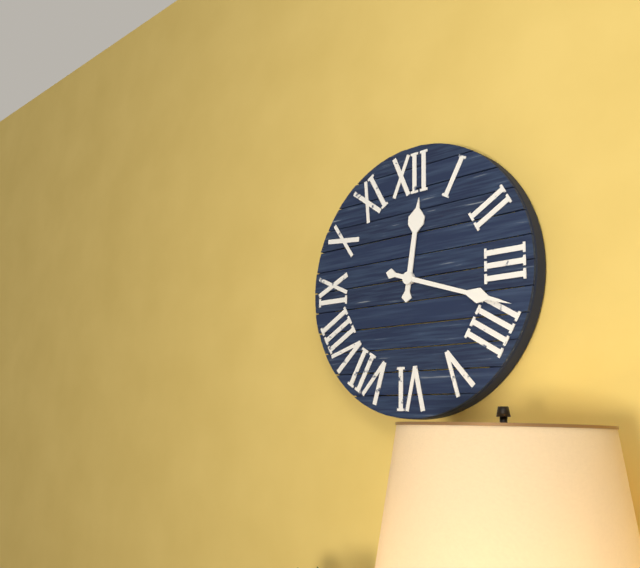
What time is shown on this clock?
12:18
